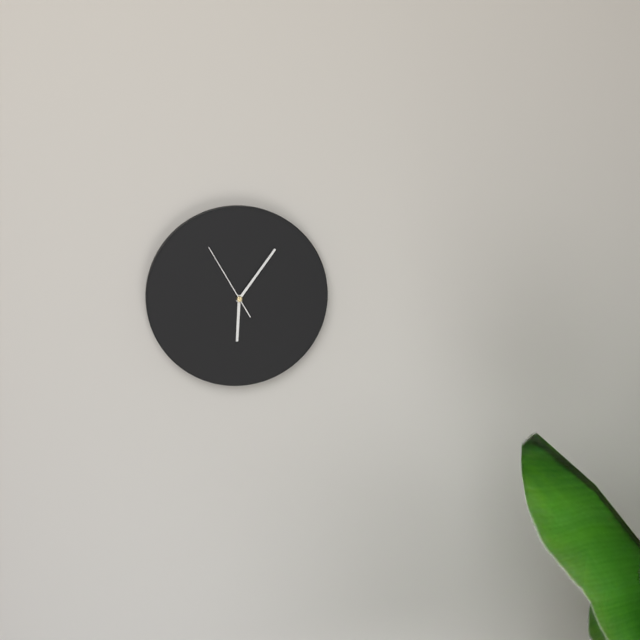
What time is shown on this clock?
6:06:55
